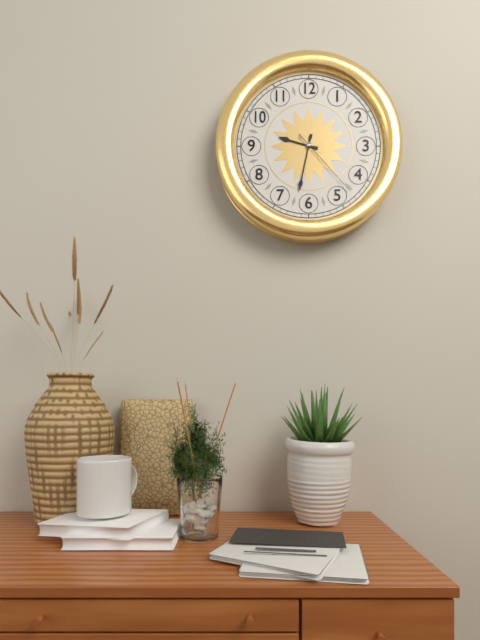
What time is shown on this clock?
9:32:23
